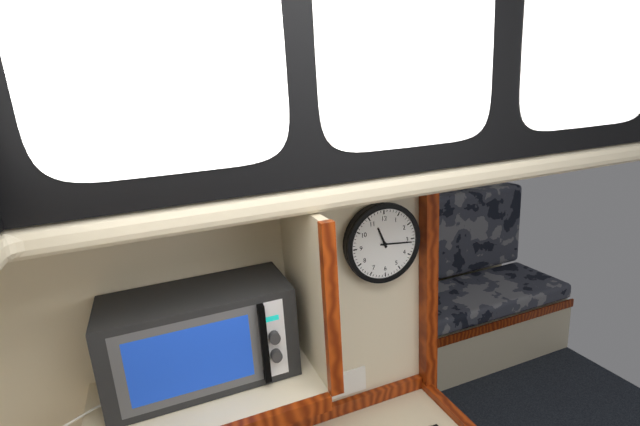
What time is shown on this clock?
11:16
